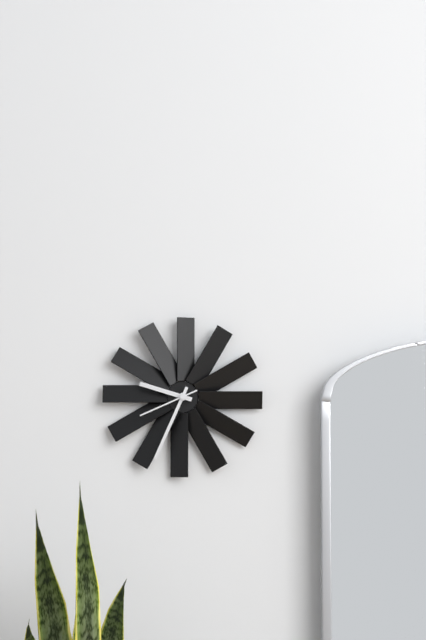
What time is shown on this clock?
9:34:41
